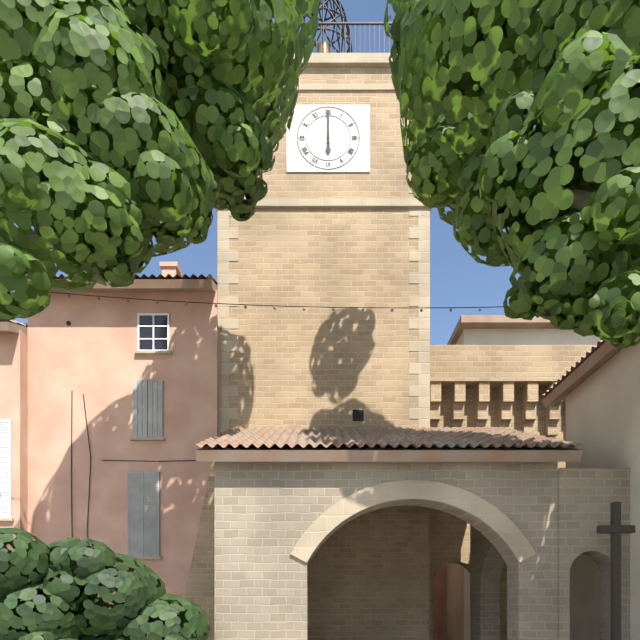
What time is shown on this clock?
6:00
